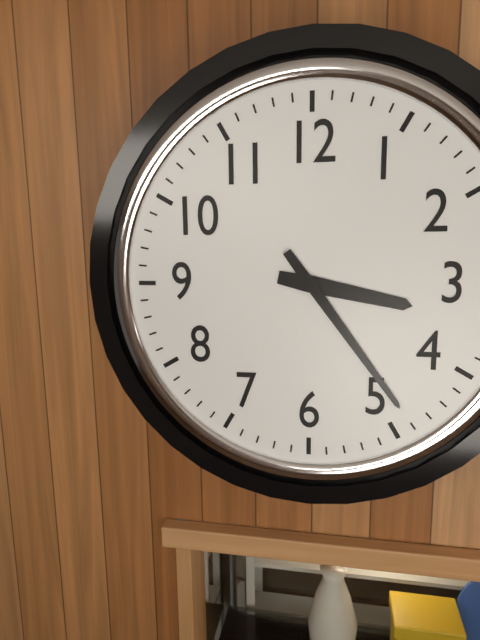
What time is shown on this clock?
3:24
